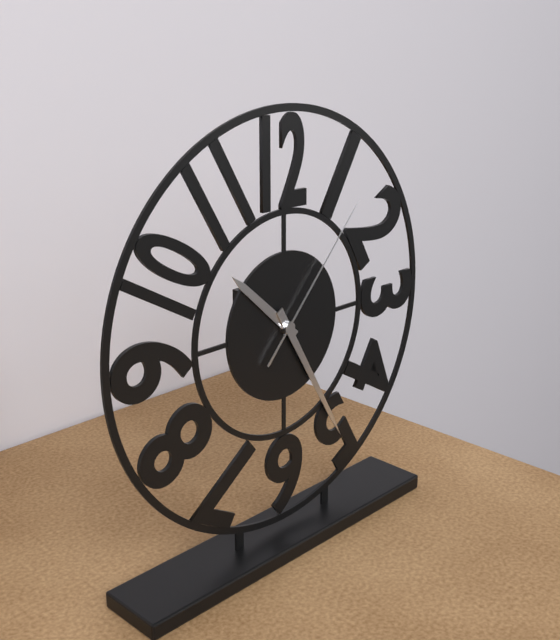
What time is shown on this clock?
10:25:07
